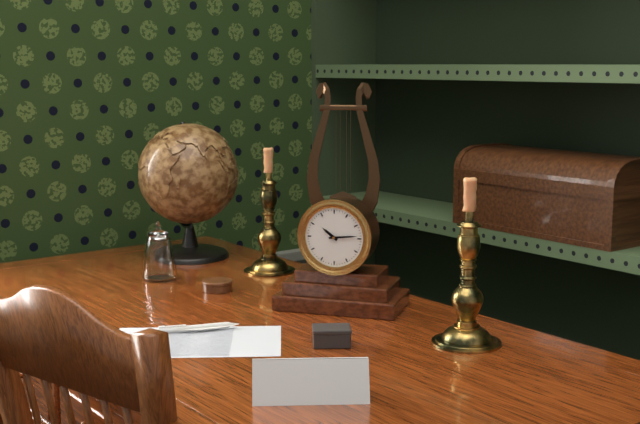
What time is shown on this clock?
10:14
